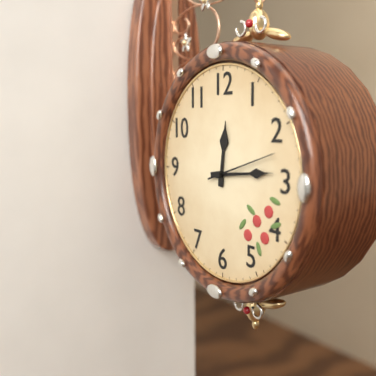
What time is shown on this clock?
12:14:12
